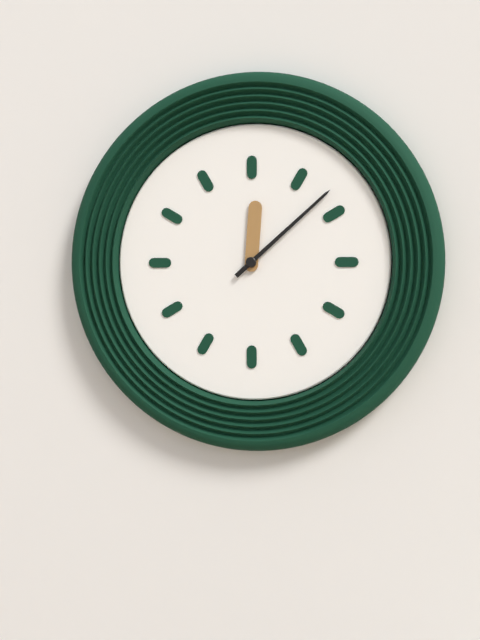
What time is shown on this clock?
12:08
